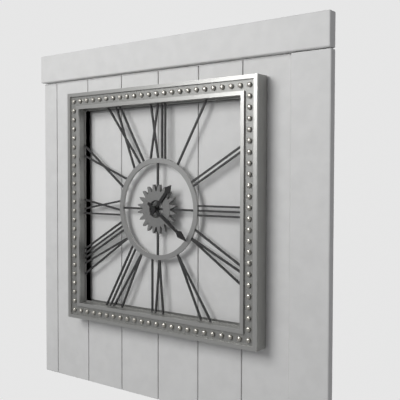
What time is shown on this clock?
1:21
